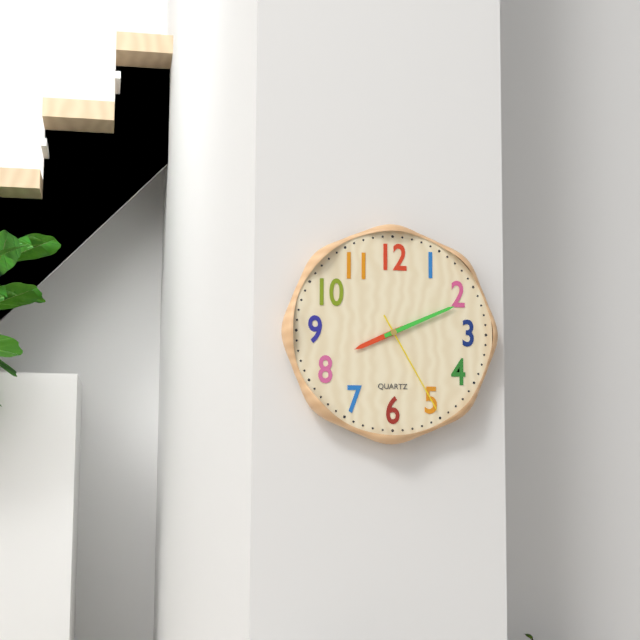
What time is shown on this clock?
8:11:25
